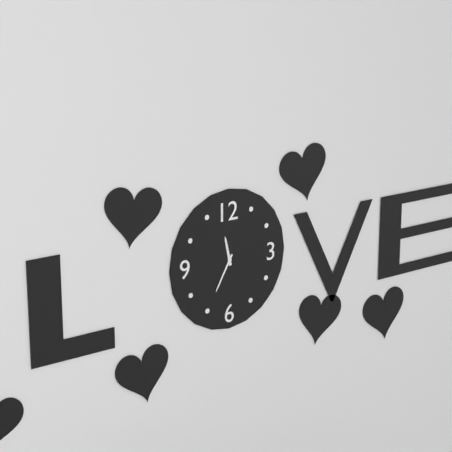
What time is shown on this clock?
11:35
